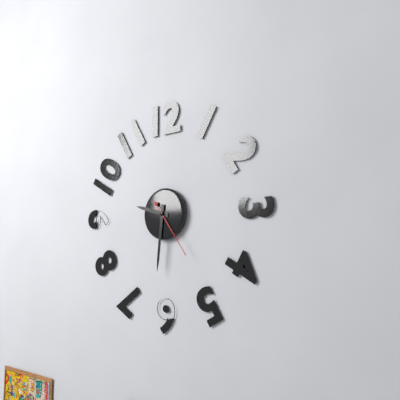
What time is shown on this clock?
9:31:24
